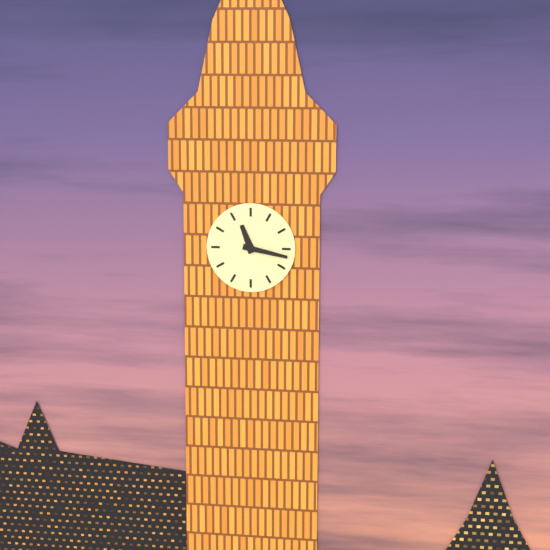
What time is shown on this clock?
11:17
